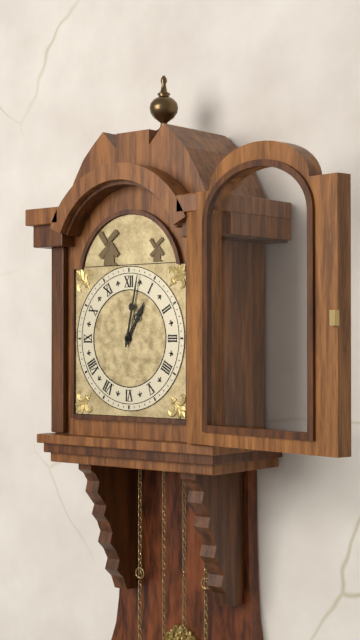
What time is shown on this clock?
1:02
